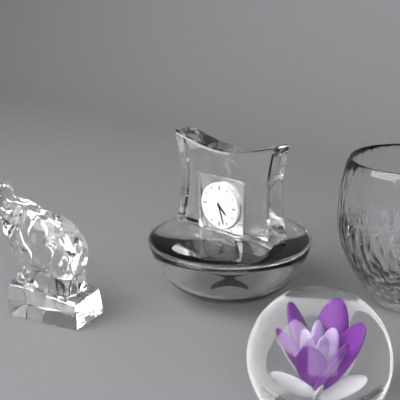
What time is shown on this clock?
4:27
